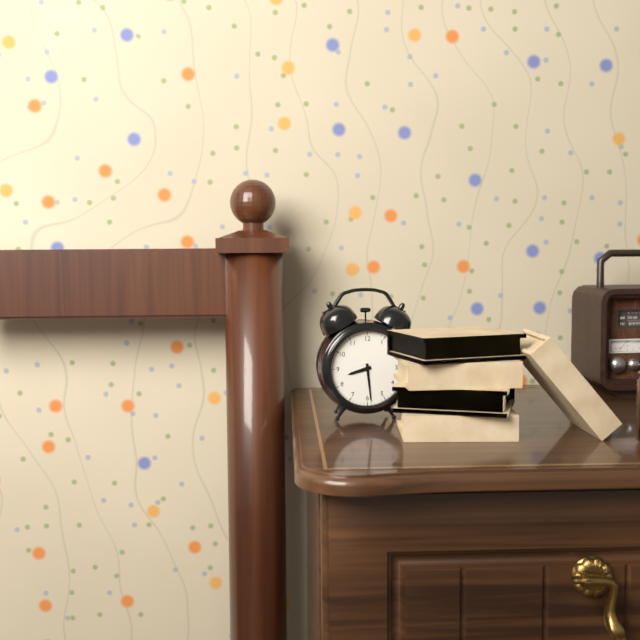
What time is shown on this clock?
8:29
